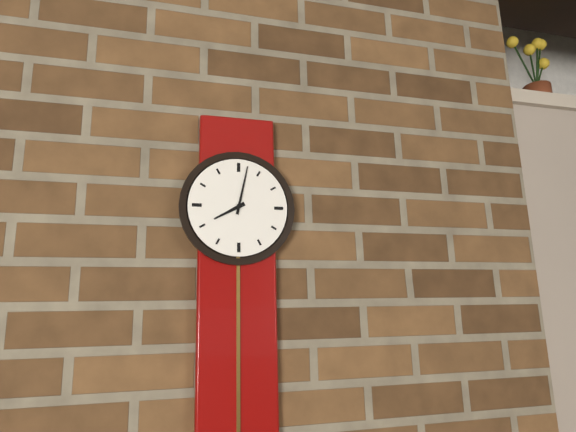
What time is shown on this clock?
8:02
